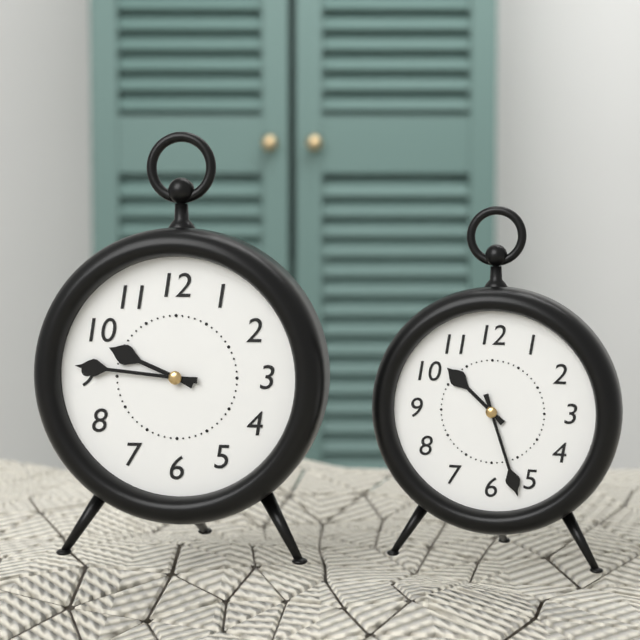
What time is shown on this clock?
9:46
